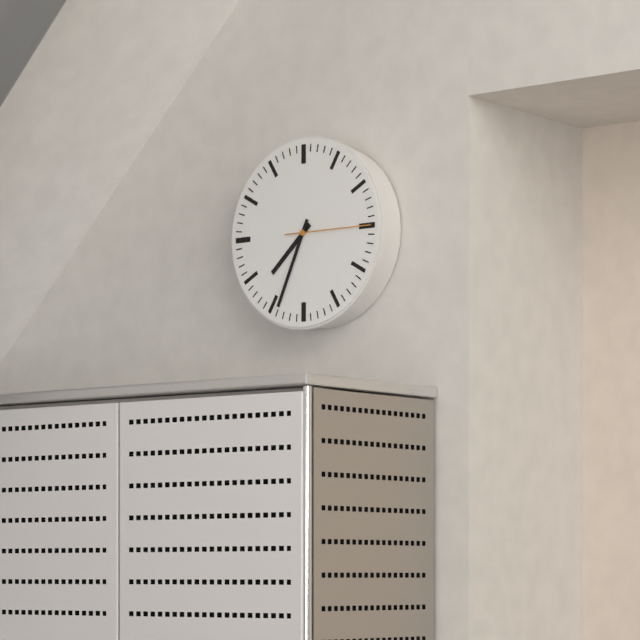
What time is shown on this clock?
7:34:15
